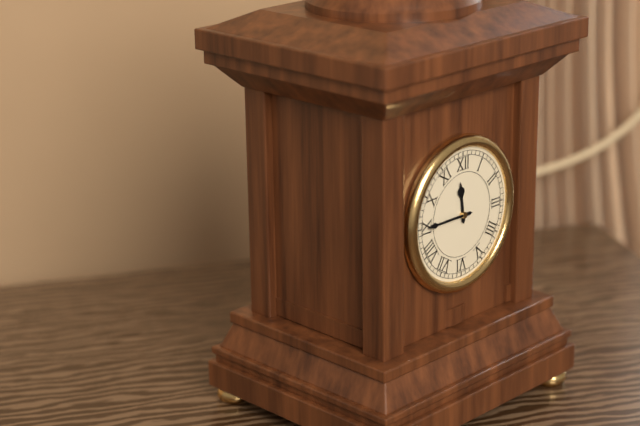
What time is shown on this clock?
11:45
